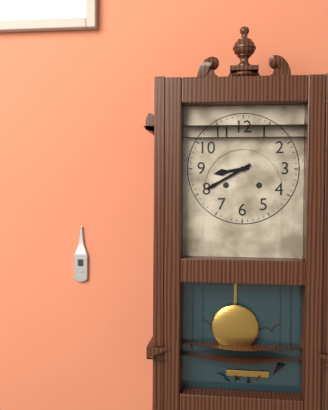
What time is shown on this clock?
8:40
